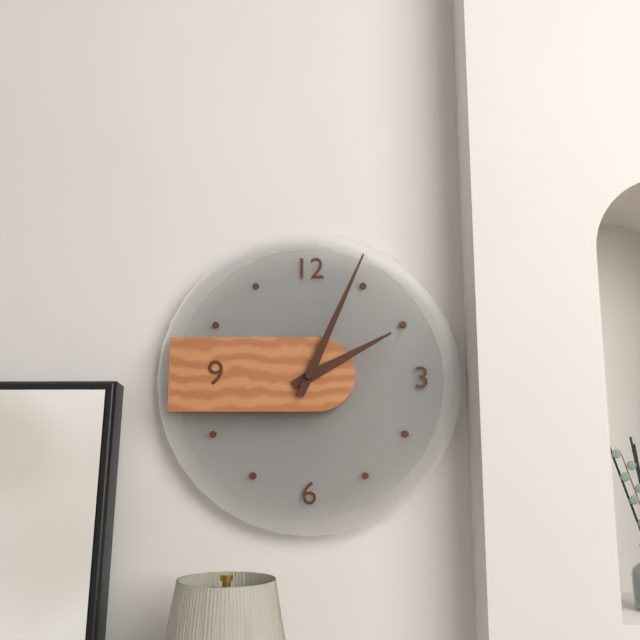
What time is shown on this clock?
2:04
